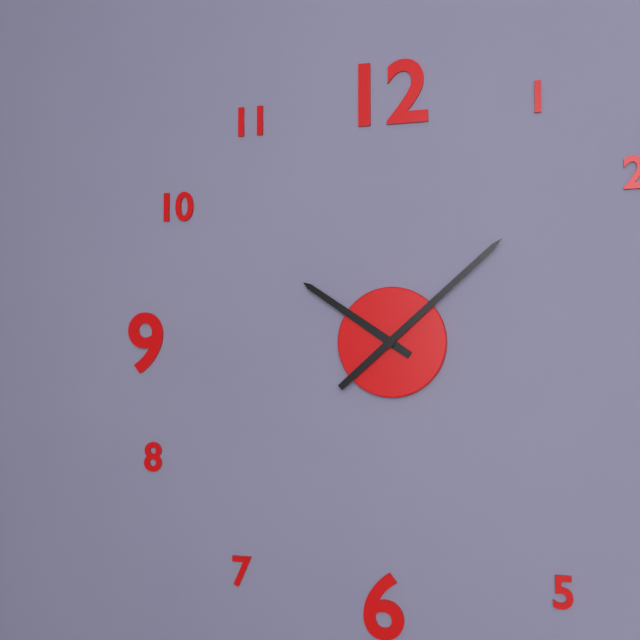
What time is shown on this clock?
10:08
